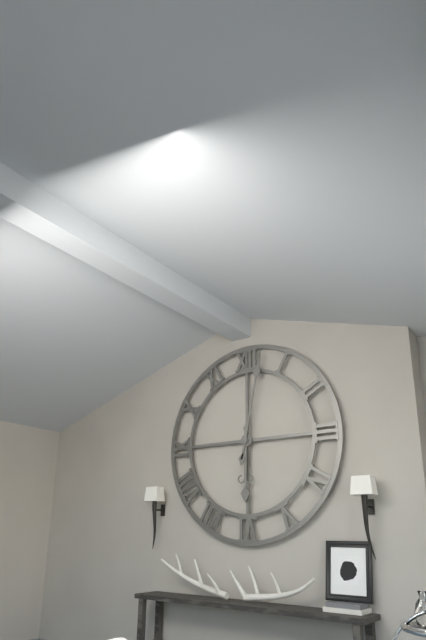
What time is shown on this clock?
6:02
